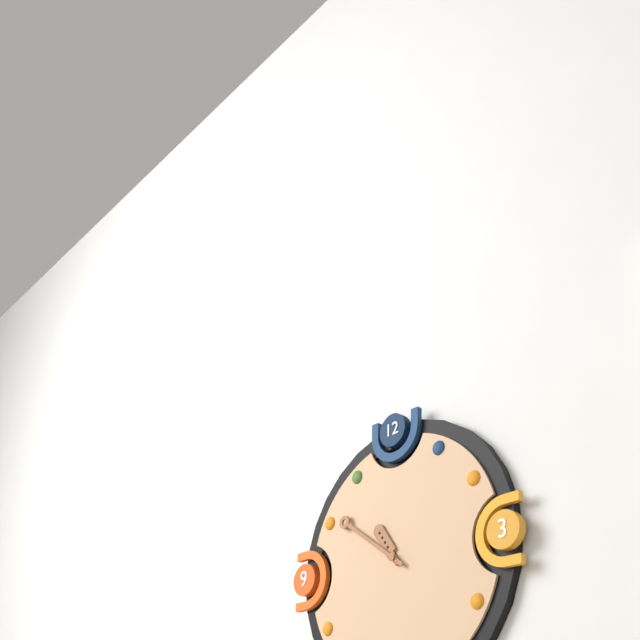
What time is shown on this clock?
10:51
